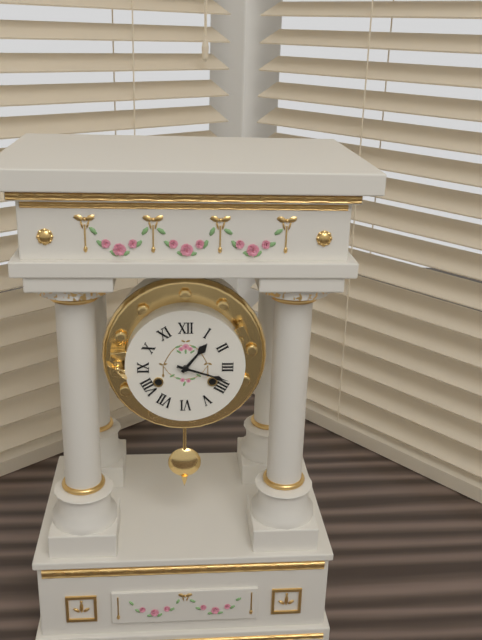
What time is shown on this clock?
1:18
